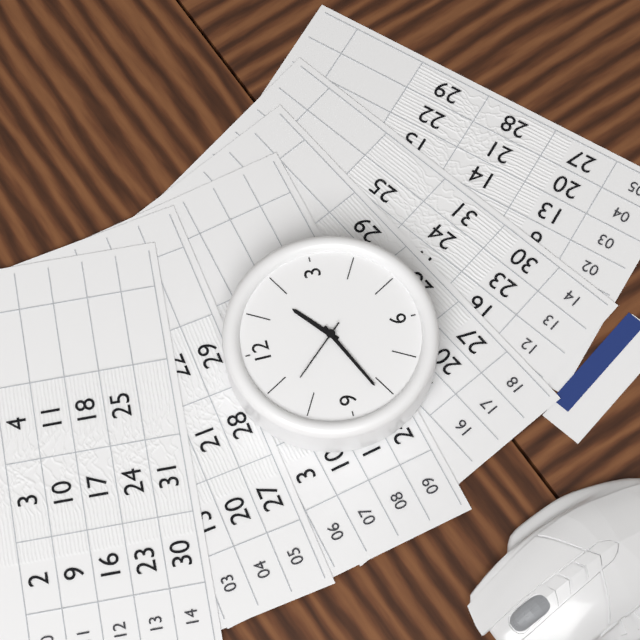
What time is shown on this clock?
1:41:53
